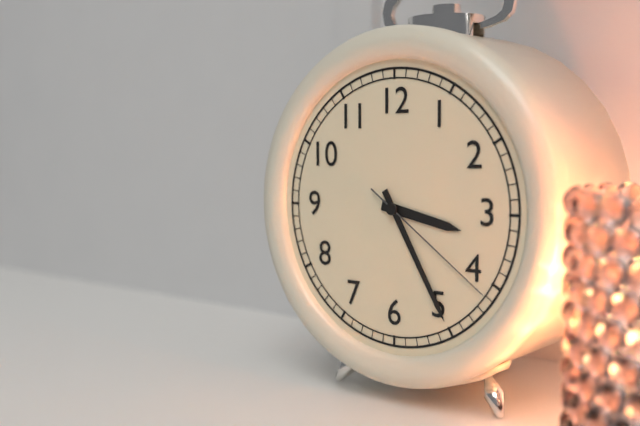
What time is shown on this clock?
3:25:21
